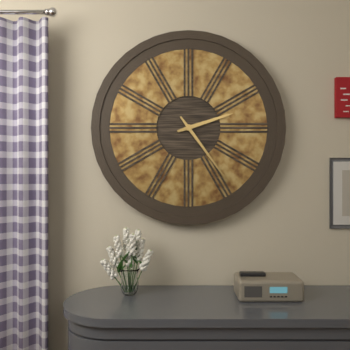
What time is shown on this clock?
2:24
